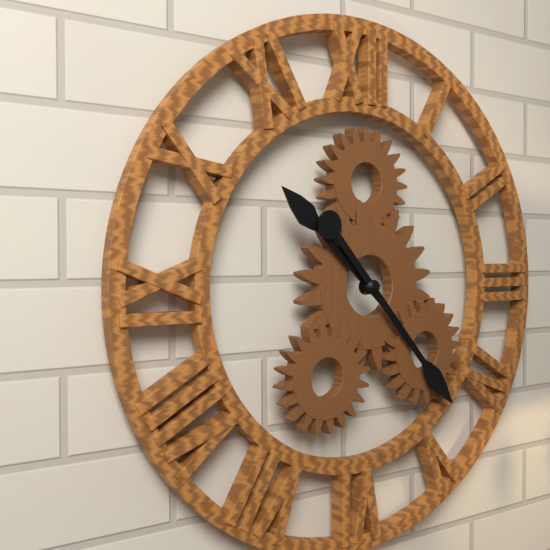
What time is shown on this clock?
10:23
